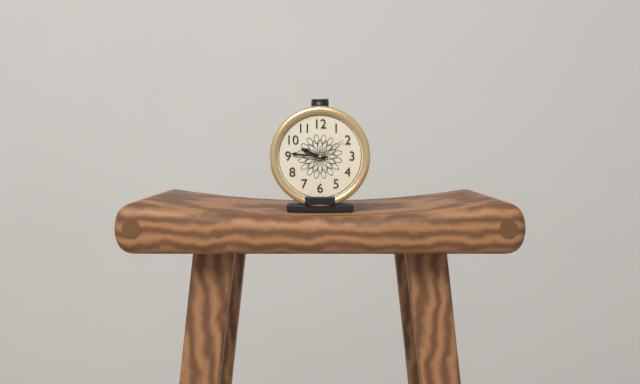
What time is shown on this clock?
9:46
